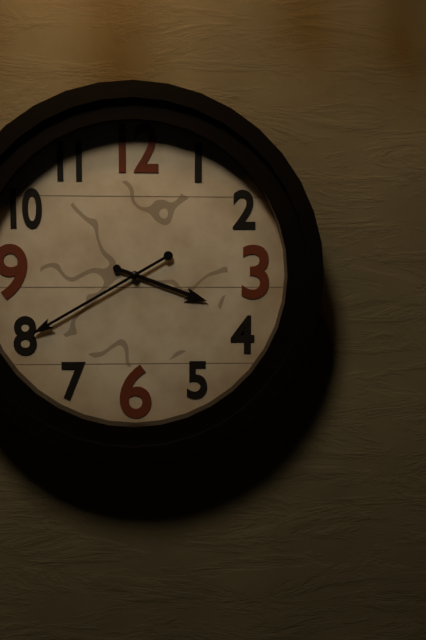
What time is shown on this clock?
3:40
